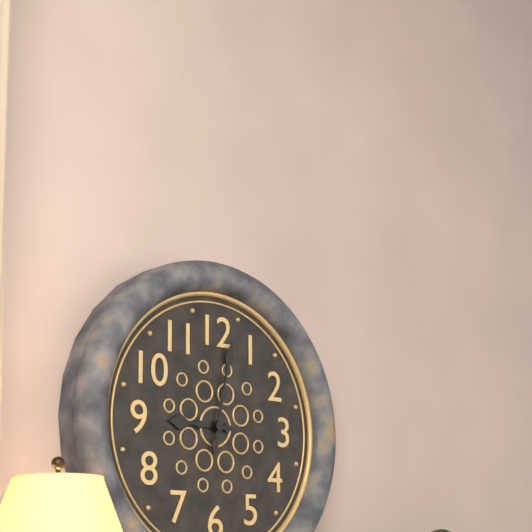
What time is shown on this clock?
9:02
